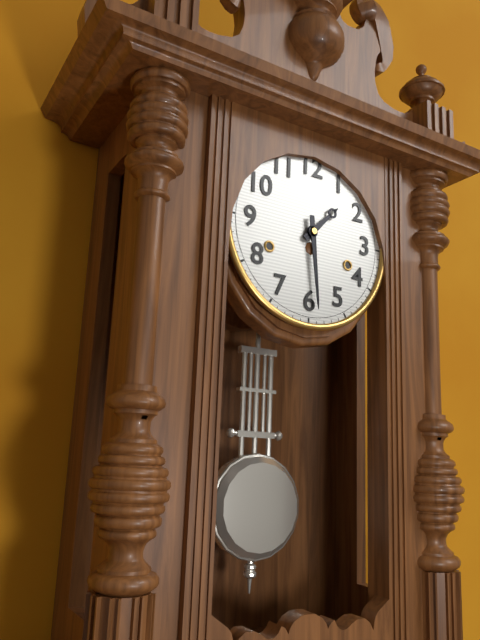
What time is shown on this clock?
1:29
